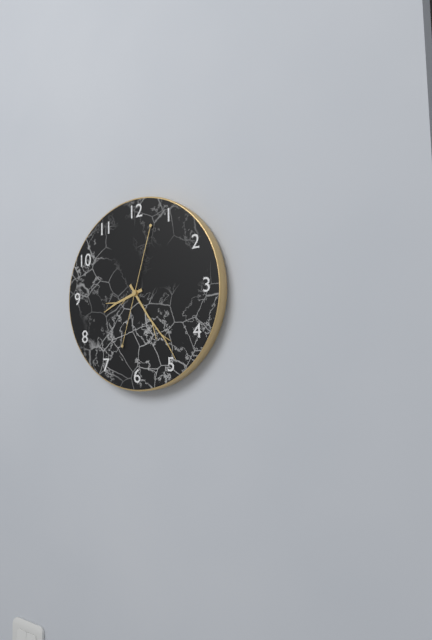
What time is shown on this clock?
8:24:03
